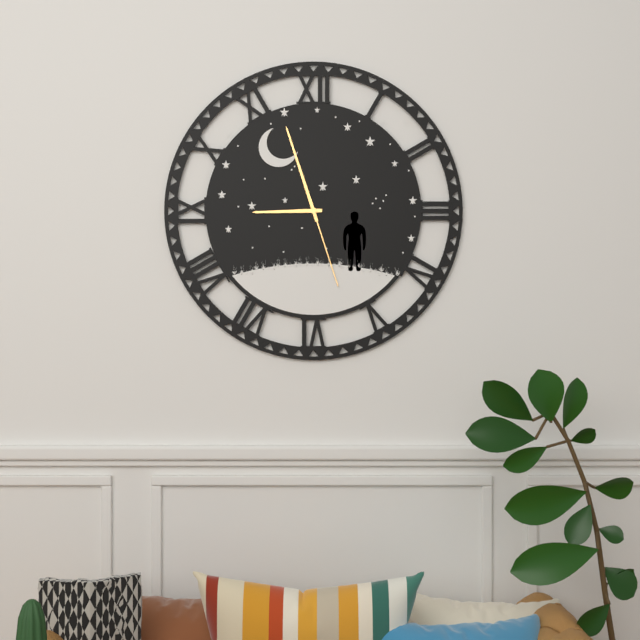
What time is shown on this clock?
8:57:27
